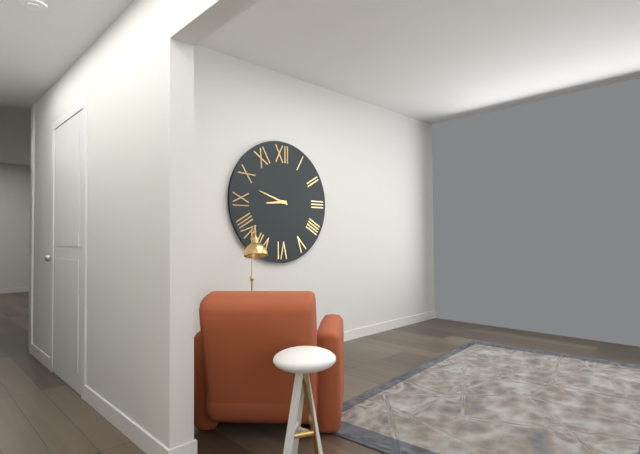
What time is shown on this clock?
8:48
